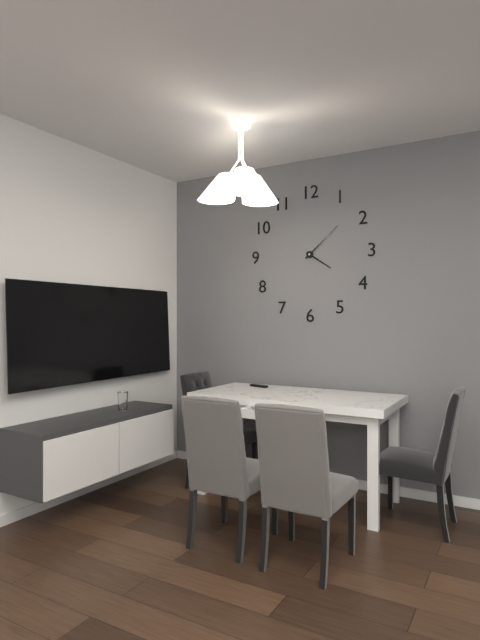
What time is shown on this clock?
4:08
